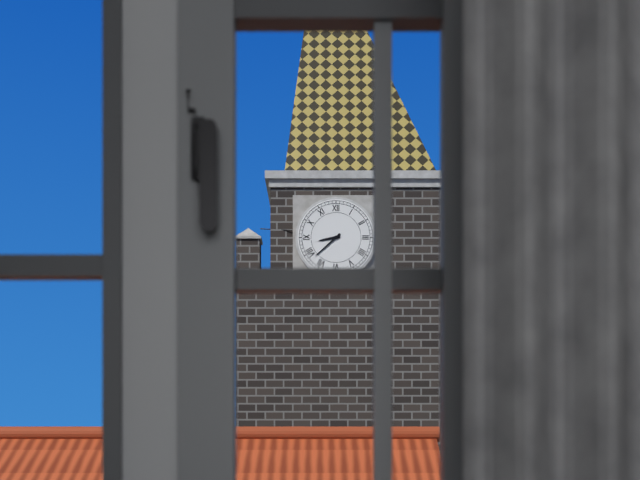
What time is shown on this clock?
8:38
